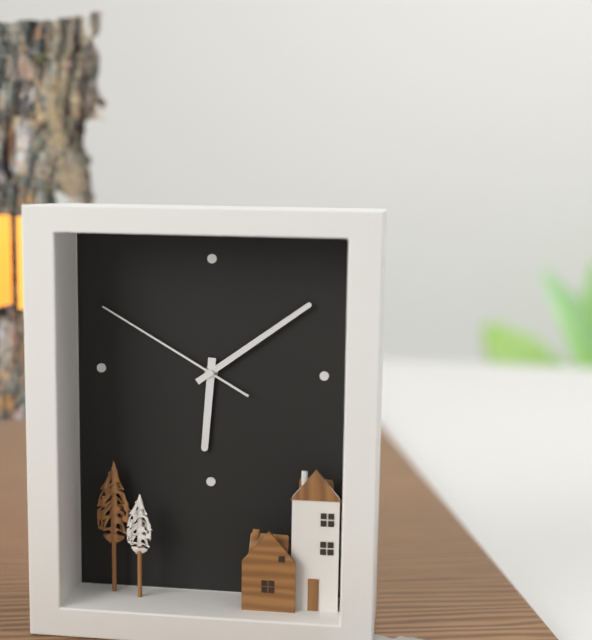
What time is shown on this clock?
6:09:50
